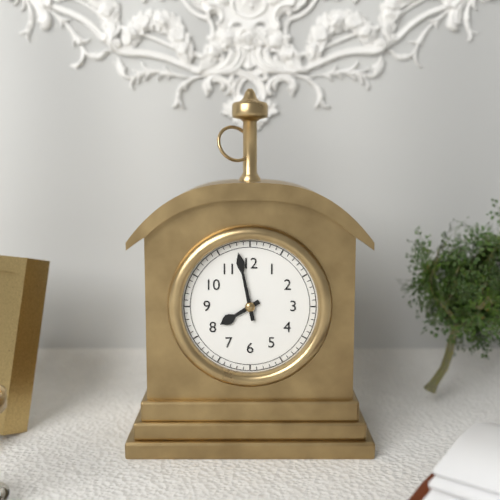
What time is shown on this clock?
7:58
